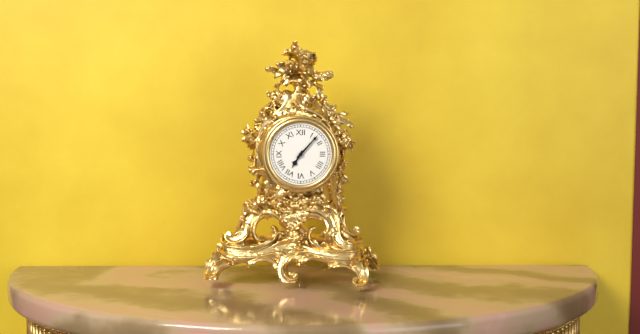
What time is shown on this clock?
7:07
